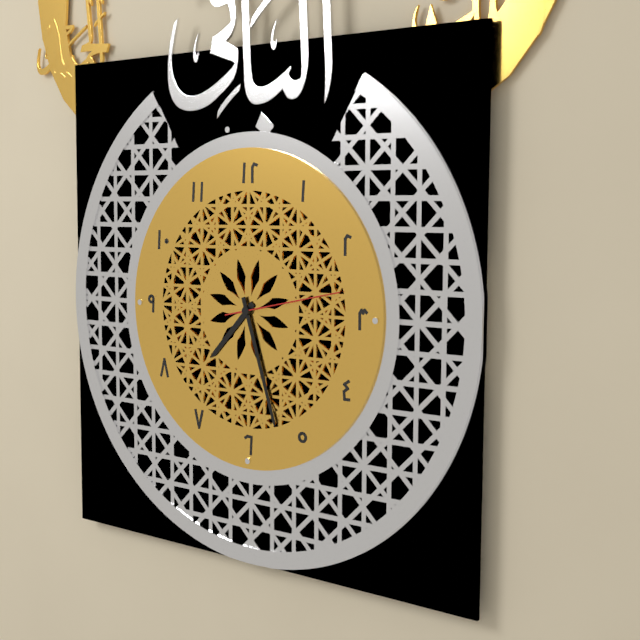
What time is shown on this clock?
7:27:13
